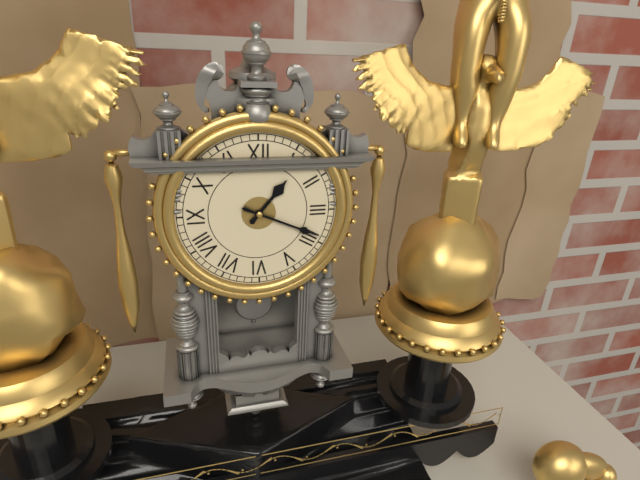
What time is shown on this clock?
1:19
